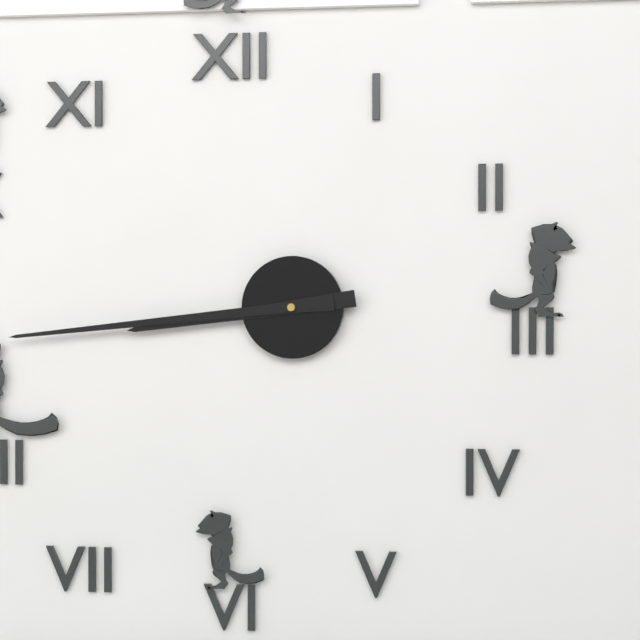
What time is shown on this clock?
8:44
